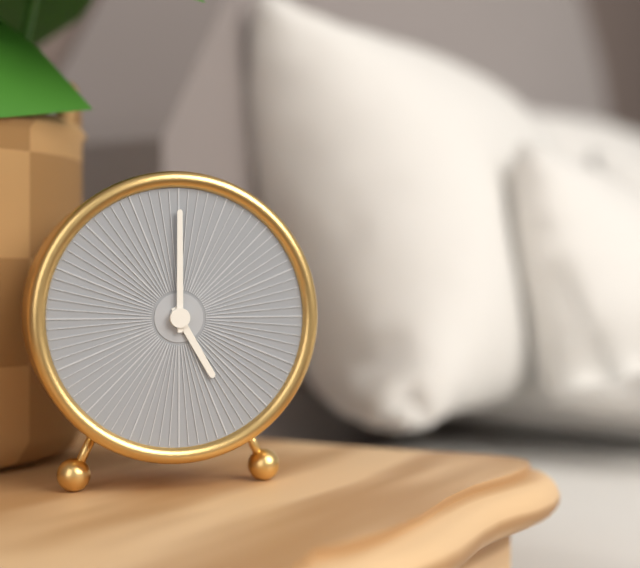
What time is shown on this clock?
5:00
